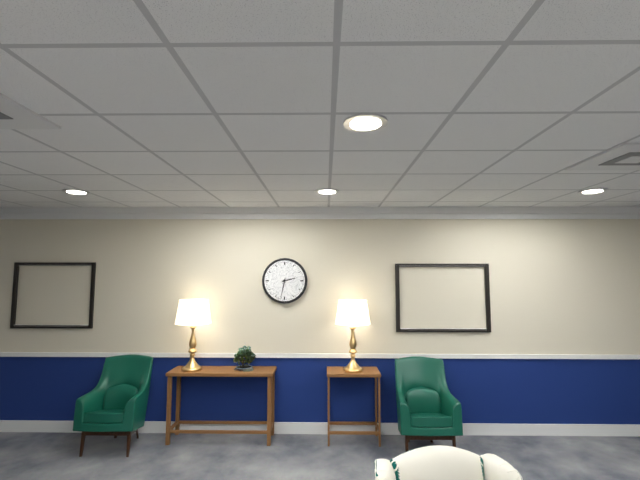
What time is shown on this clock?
2:32
